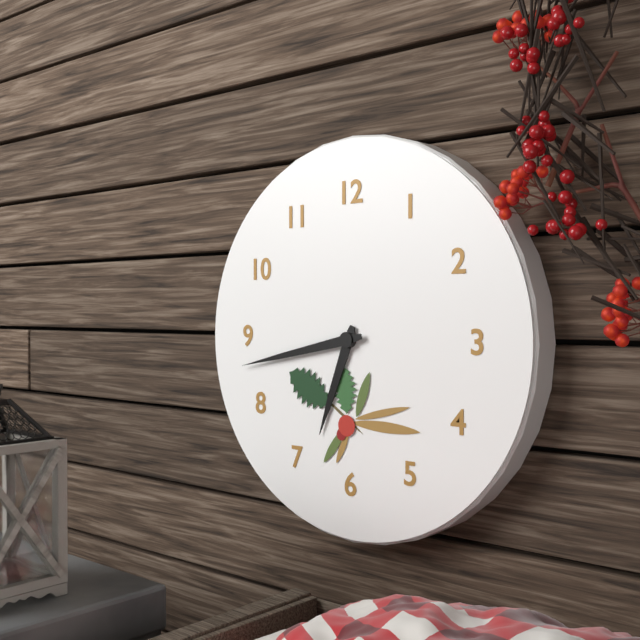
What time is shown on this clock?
6:43
